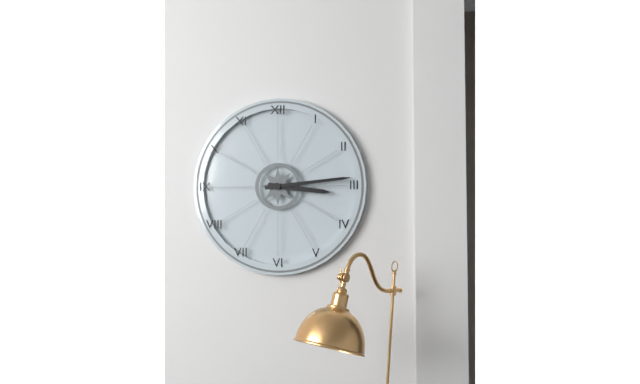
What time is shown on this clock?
3:14
